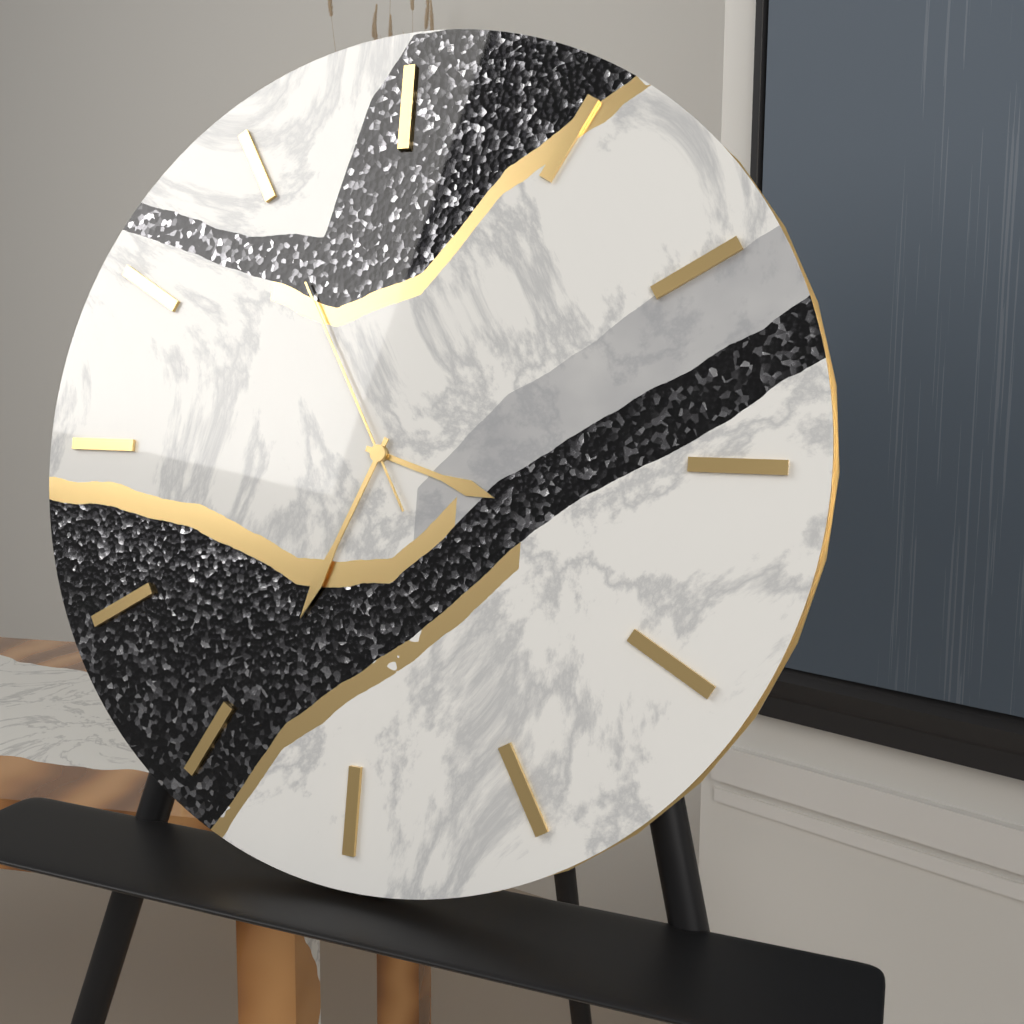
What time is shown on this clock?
3:34:55
